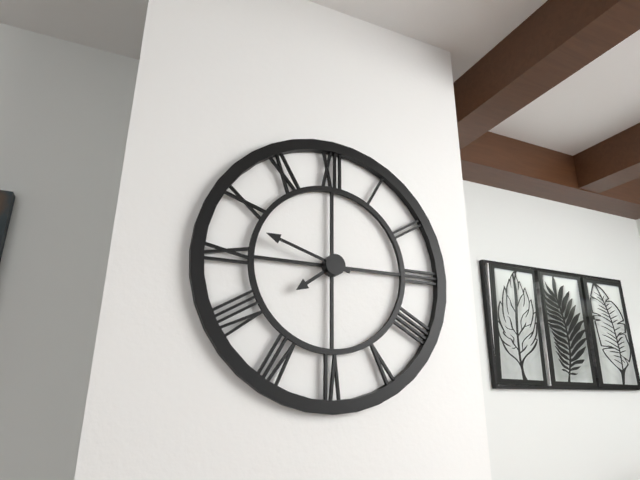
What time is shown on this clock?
7:48
